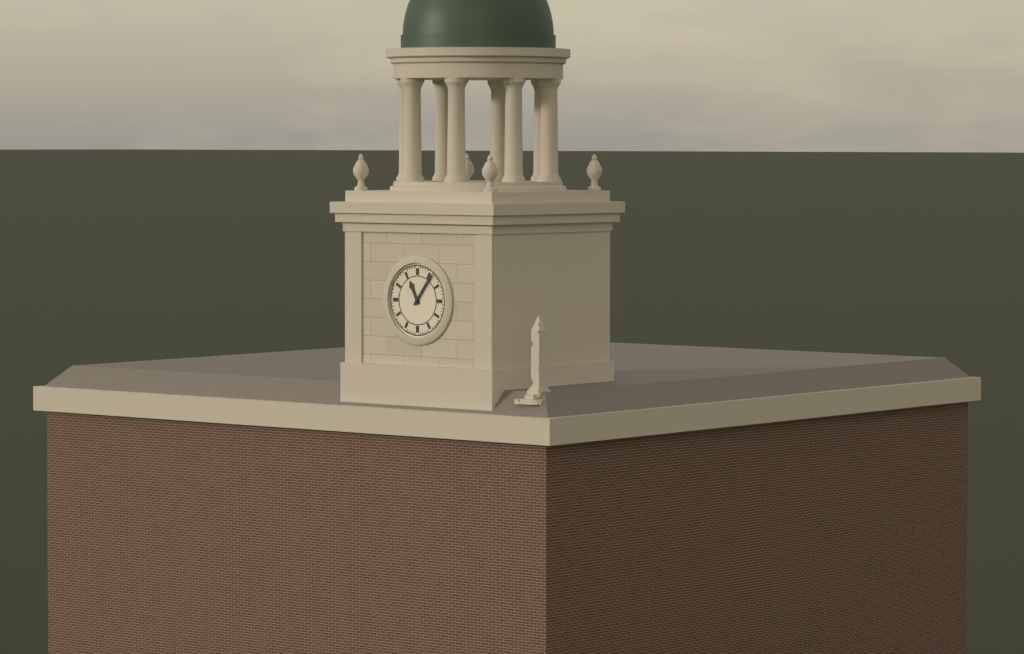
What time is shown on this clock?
11:06
